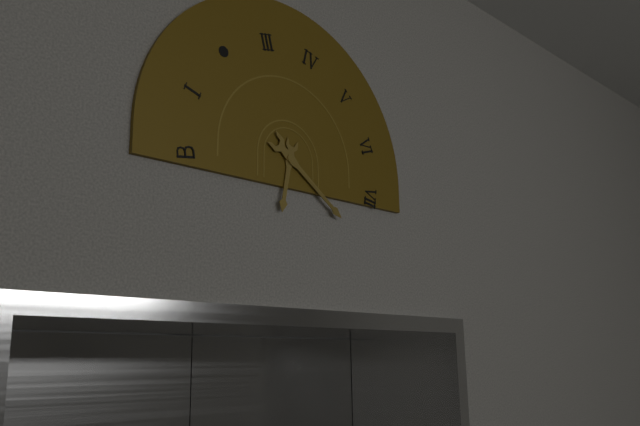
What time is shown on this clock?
6:21
